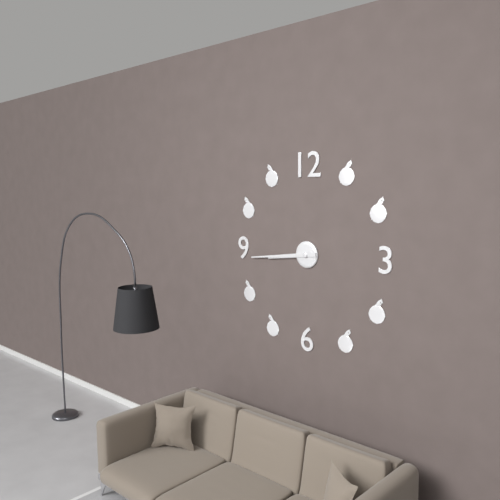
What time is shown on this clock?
8:44
